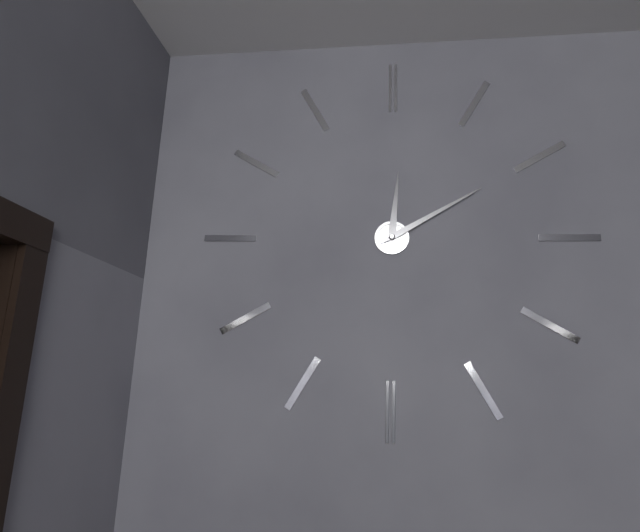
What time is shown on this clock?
12:10
